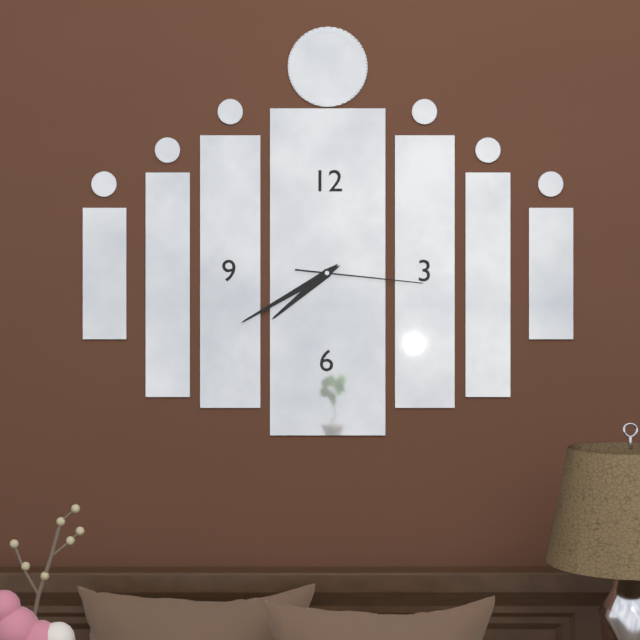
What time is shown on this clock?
7:40:16
